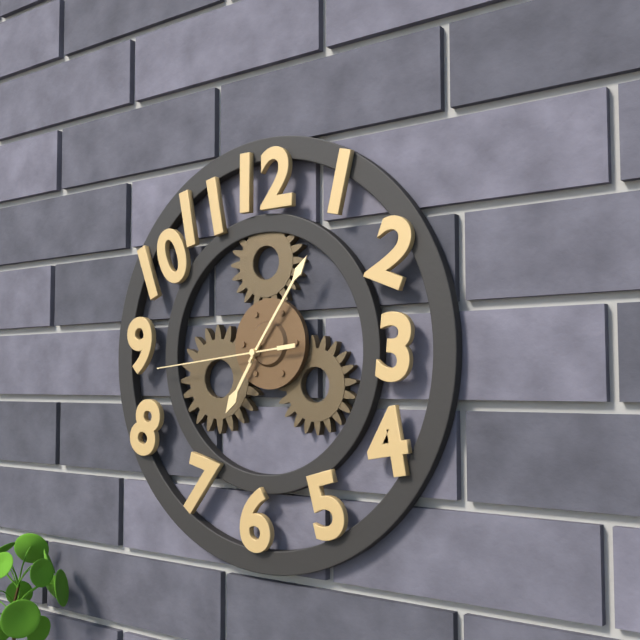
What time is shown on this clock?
7:06:44
